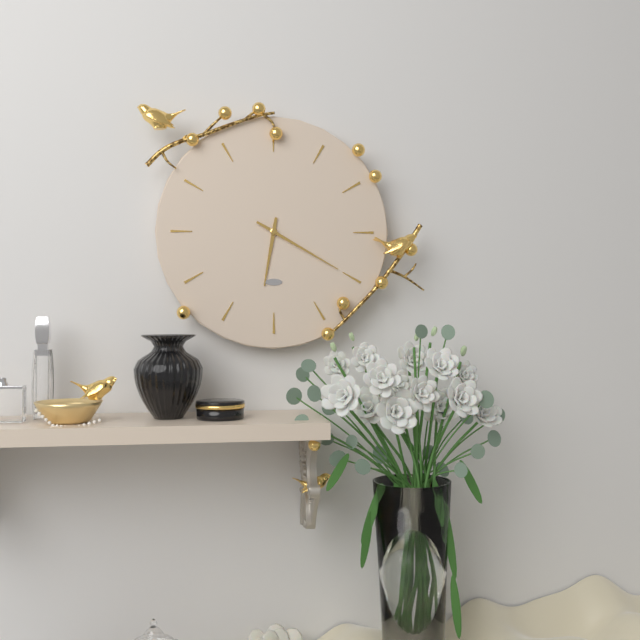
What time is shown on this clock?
6:20
